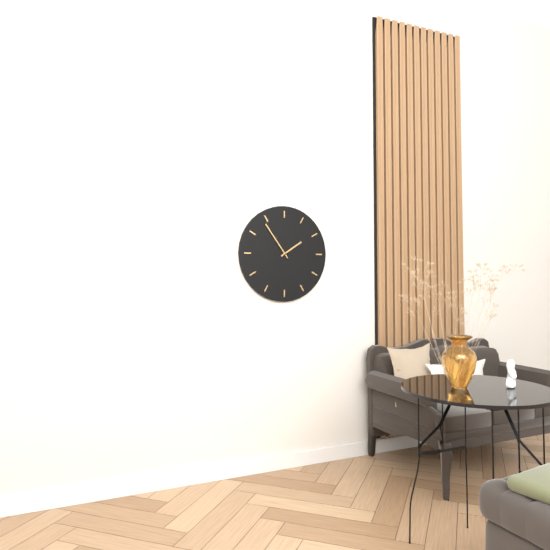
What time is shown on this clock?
1:54
